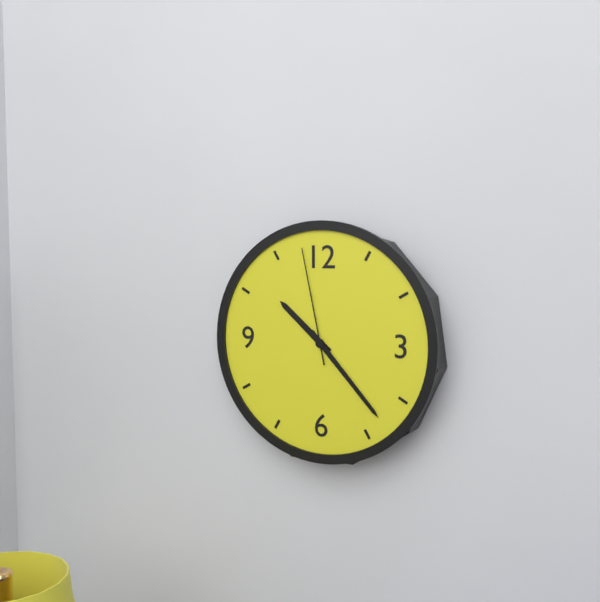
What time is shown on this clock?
10:23:58
